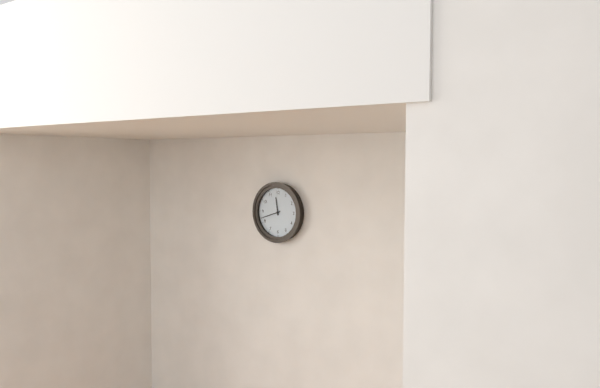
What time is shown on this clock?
11:42
